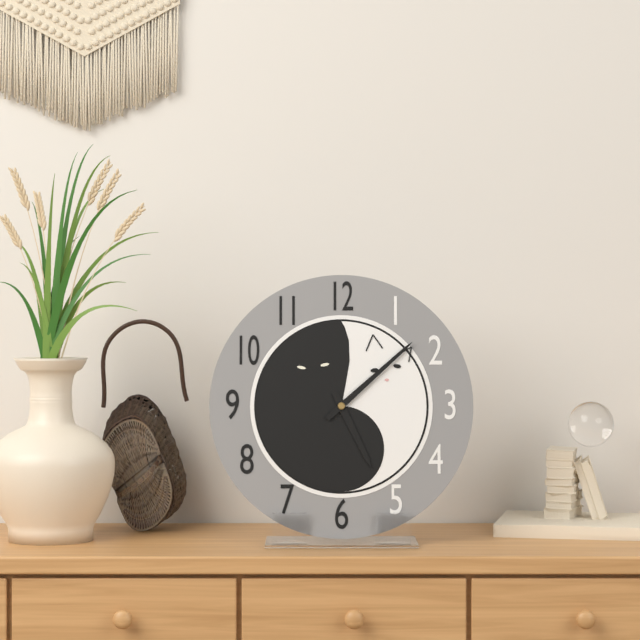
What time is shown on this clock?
5:08
